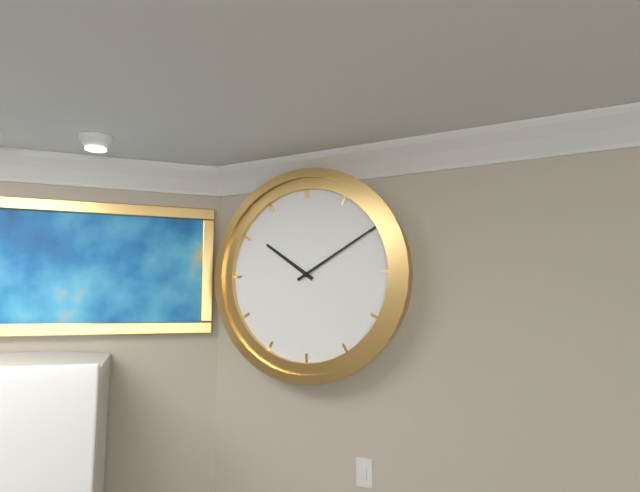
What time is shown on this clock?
10:10
